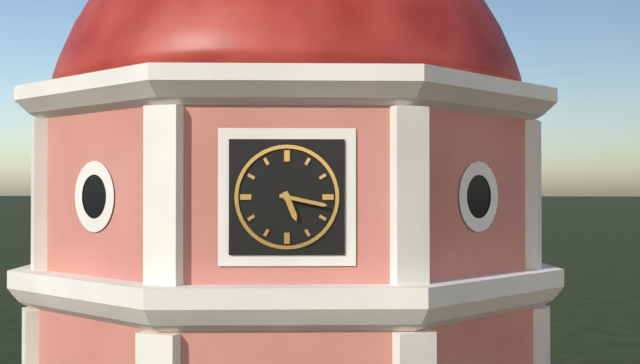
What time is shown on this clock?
5:17
